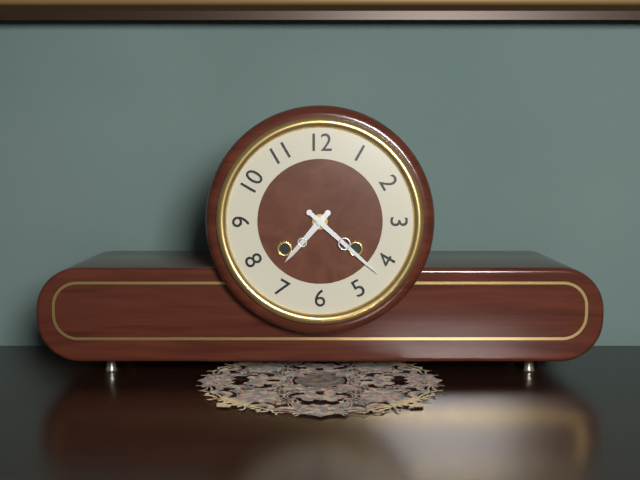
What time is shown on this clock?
7:22
